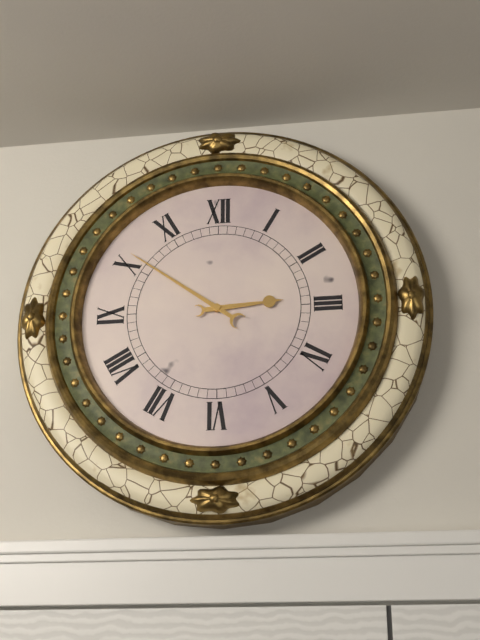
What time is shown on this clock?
2:51
